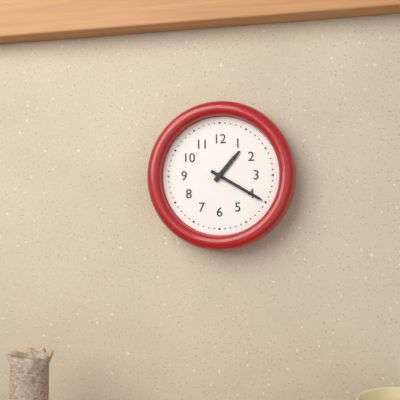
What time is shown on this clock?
1:20
